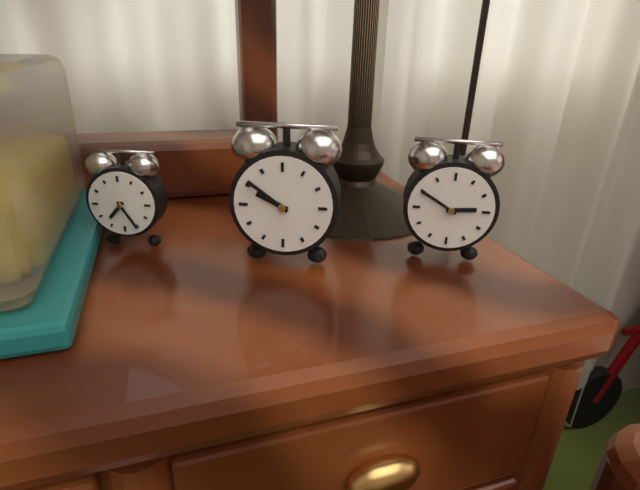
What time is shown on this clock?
9:51
